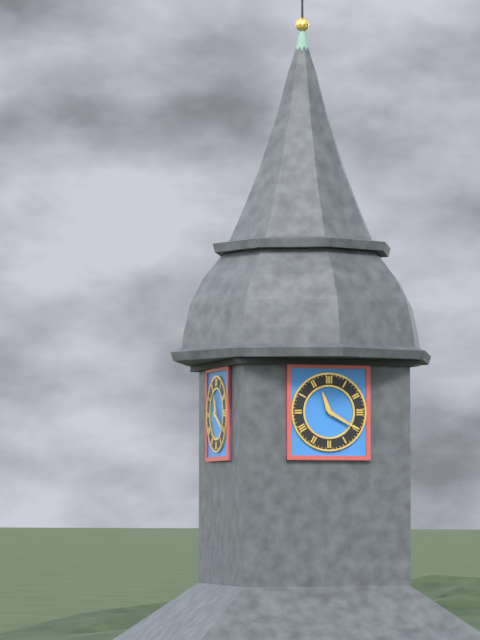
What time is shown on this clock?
11:20
